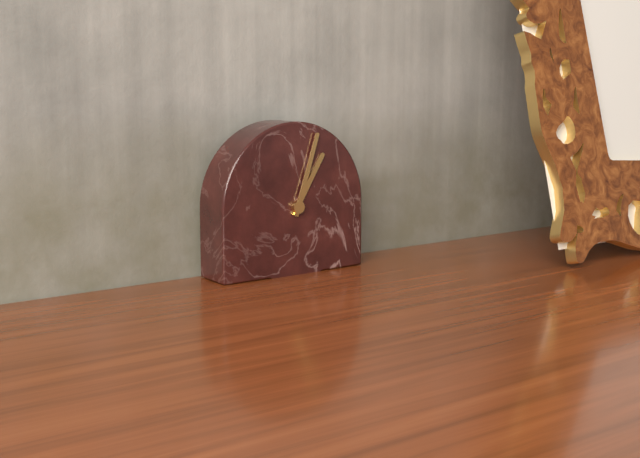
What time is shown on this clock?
1:03
